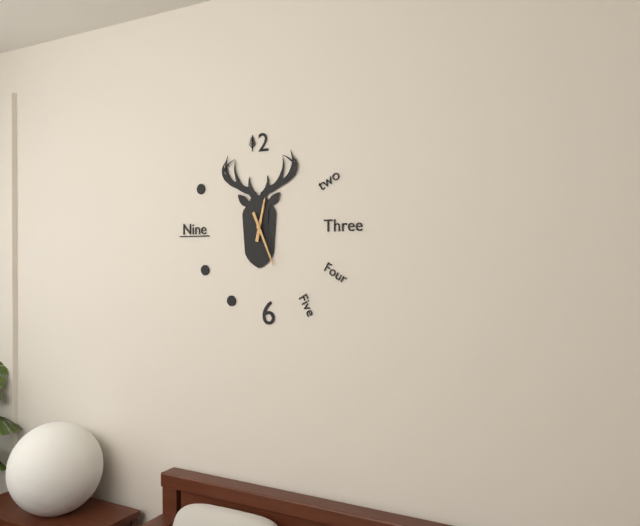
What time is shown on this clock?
12:26
